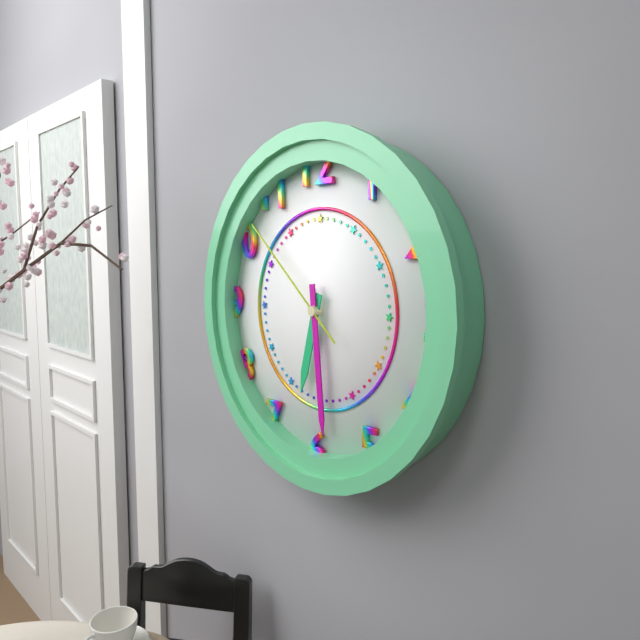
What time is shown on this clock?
6:29:52
